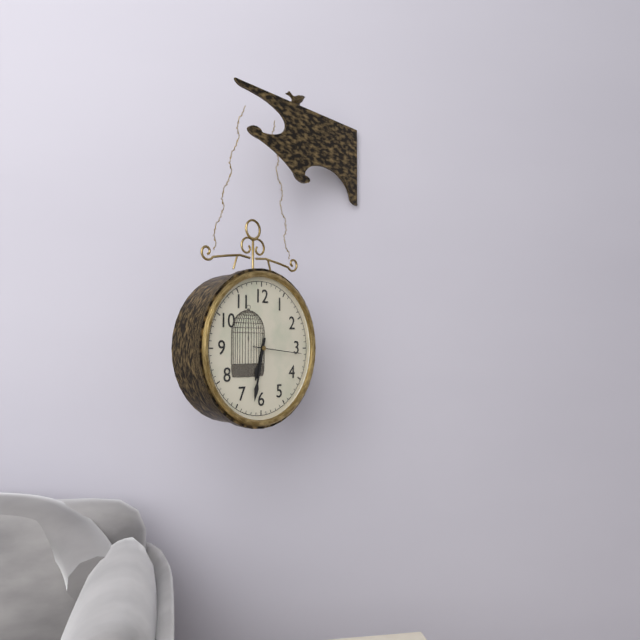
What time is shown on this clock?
6:32
